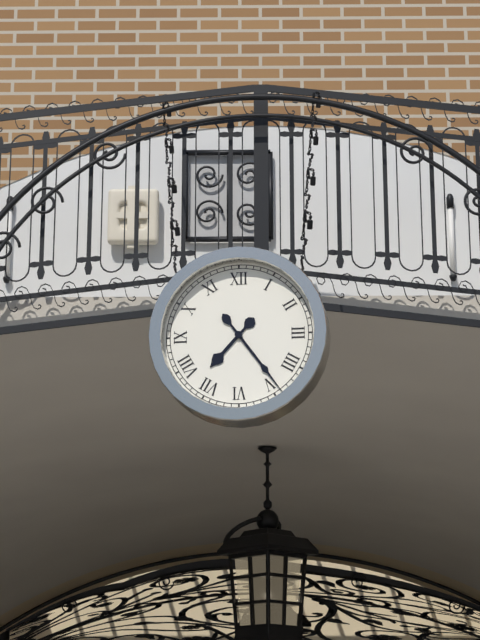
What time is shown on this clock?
7:24
